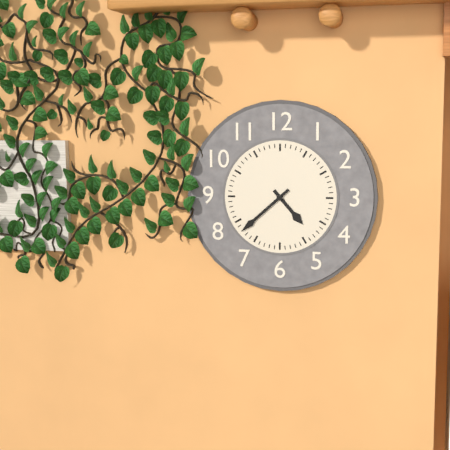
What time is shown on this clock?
4:38
